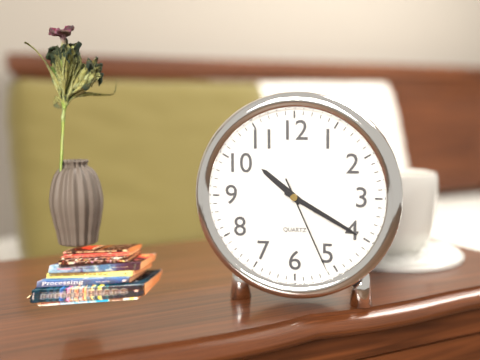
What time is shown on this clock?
10:20:26
